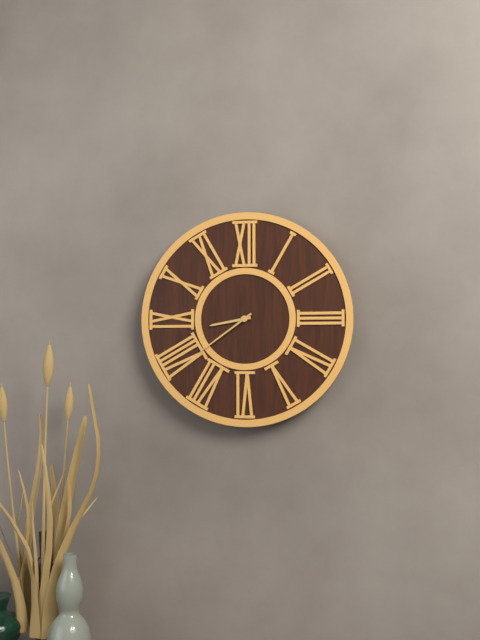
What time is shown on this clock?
8:39
